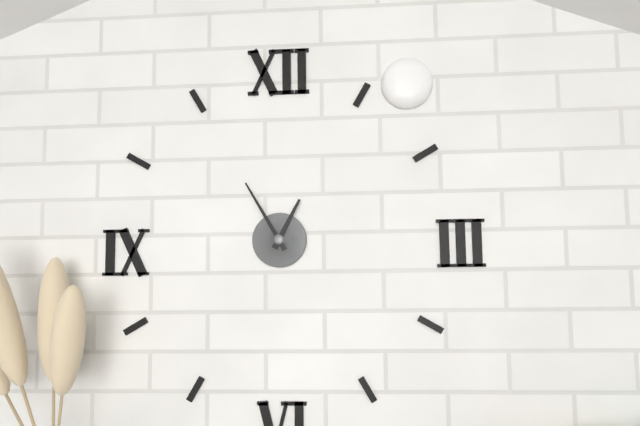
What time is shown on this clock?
12:55
